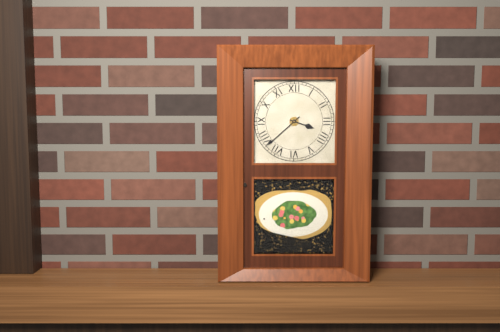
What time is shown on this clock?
3:38
